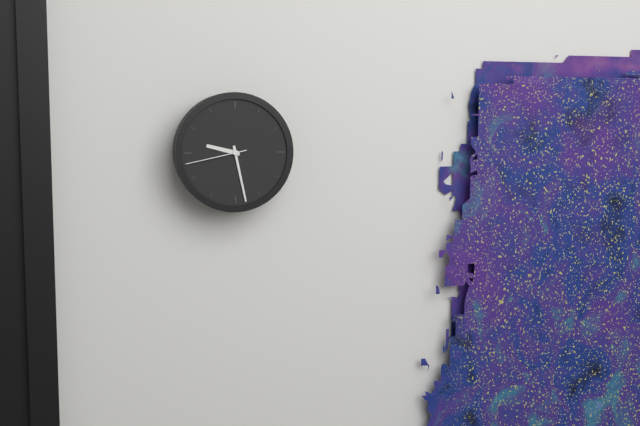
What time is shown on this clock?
9:28:43
